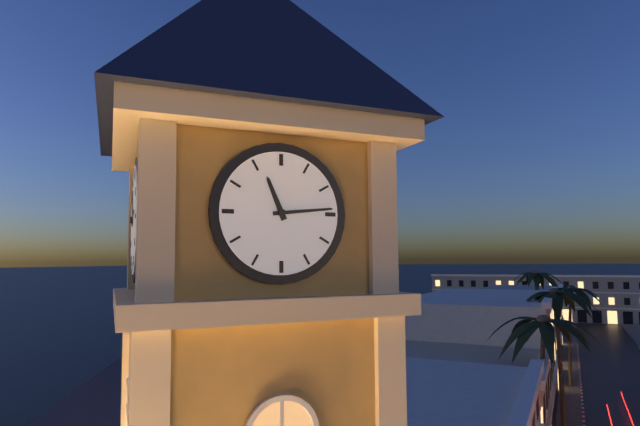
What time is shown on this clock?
11:14
